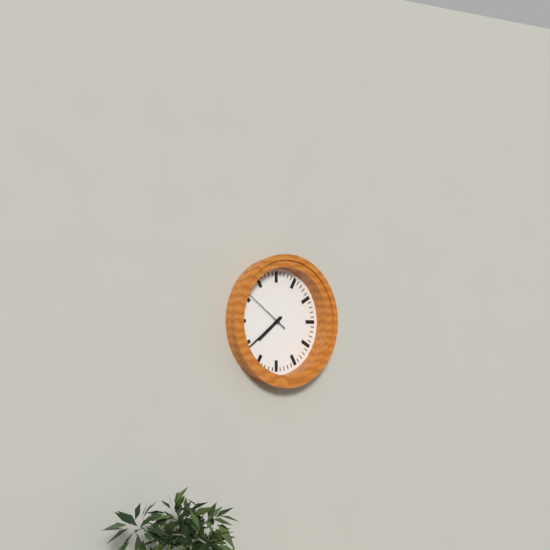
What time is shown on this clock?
7:39:51
